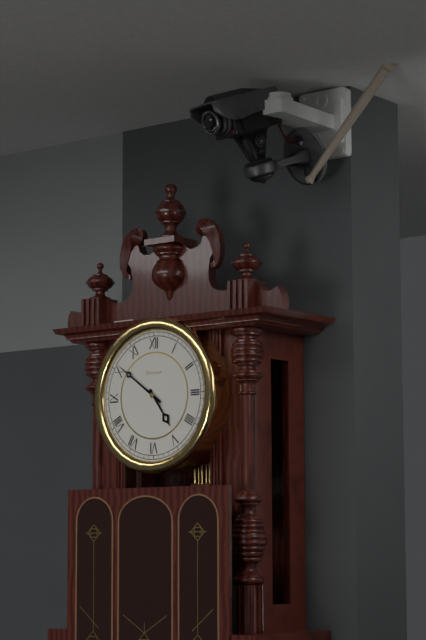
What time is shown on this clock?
4:51
